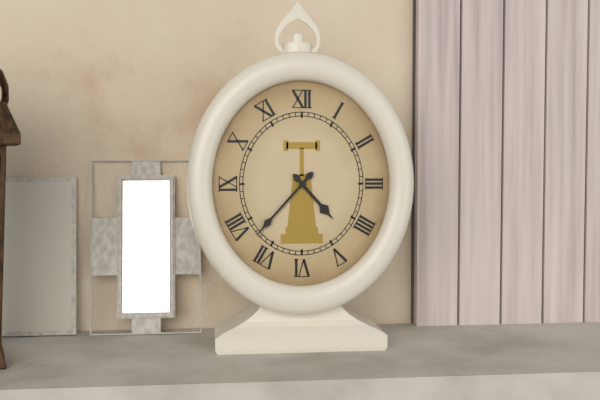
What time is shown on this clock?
4:37
